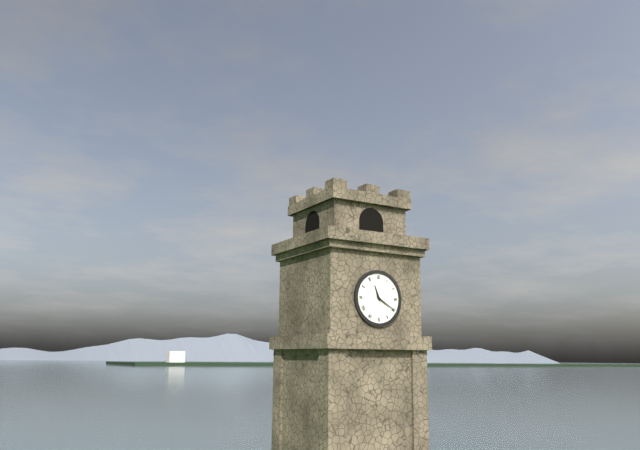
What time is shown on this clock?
11:20
